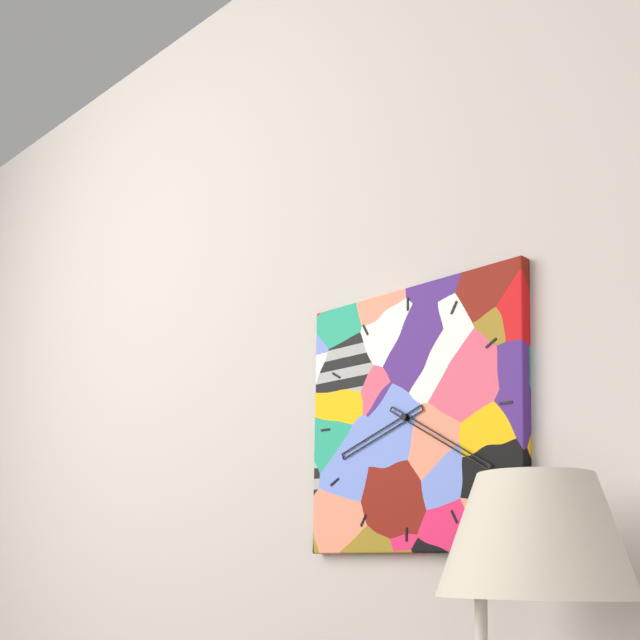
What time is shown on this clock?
8:20
